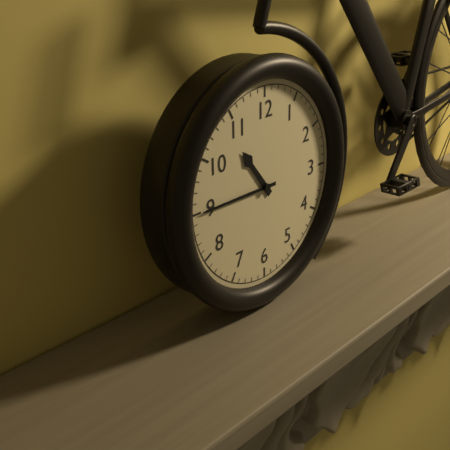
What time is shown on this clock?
10:45
